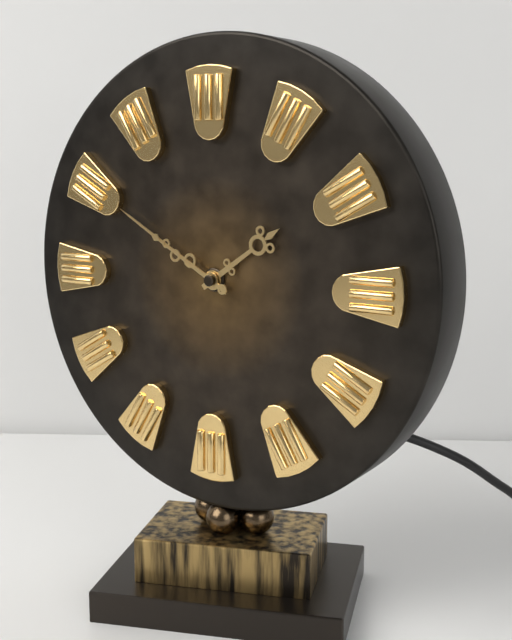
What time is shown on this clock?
1:50
